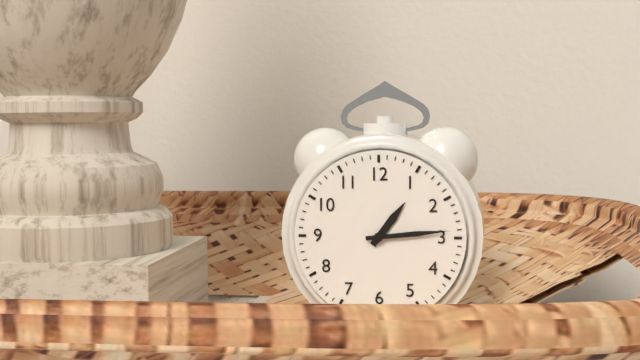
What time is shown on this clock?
1:14
